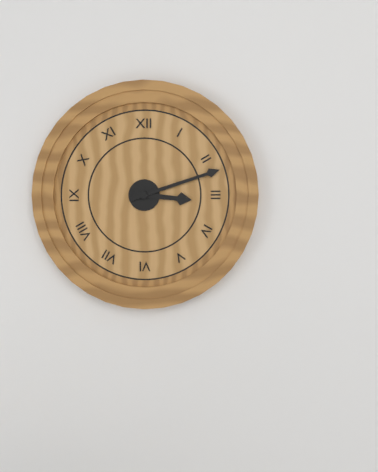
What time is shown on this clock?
3:12
